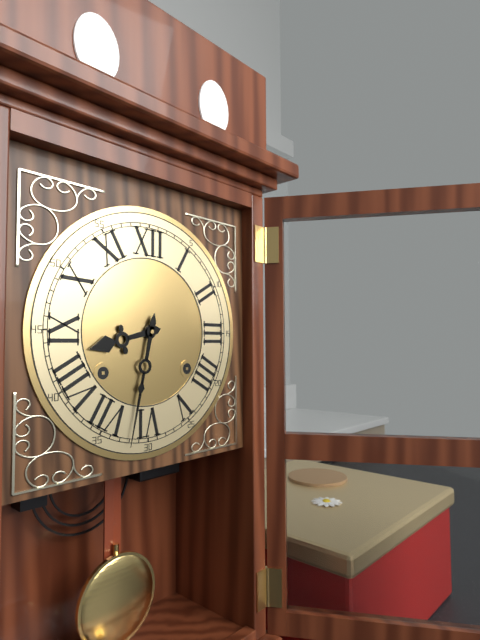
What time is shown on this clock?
8:32
